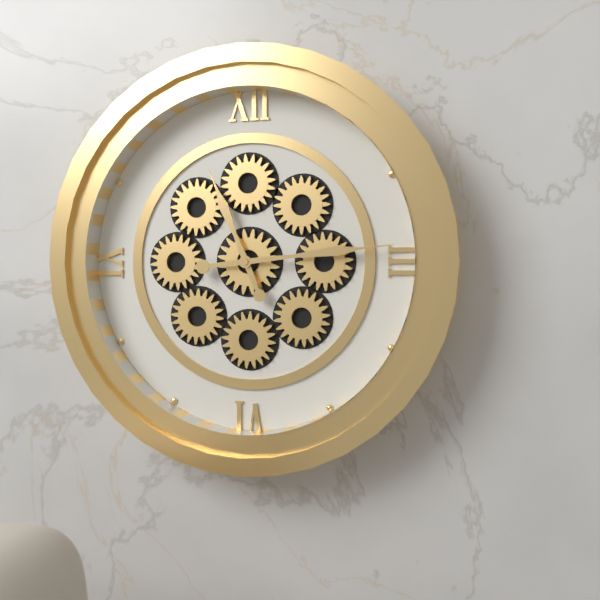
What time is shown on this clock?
11:14
